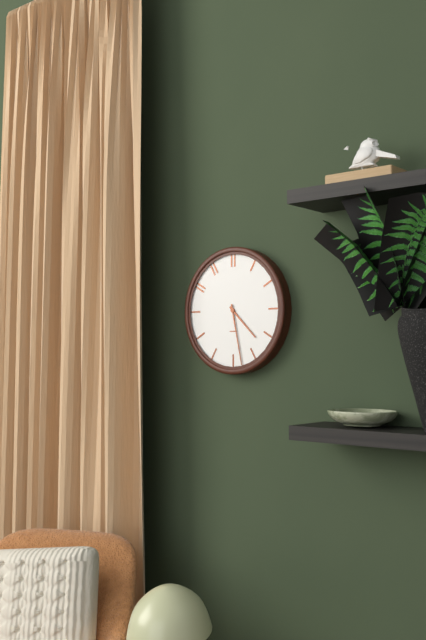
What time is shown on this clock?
4:28
